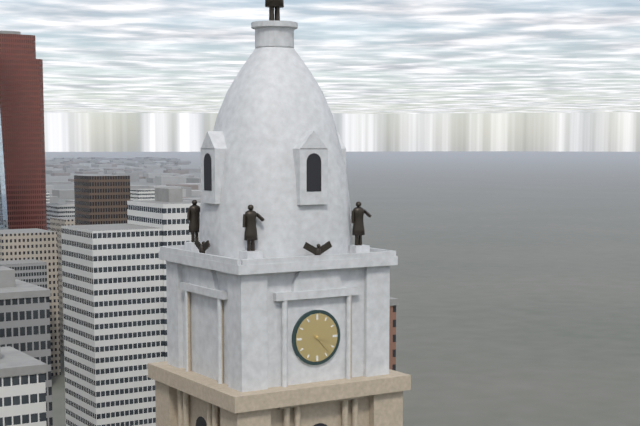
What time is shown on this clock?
3:23
